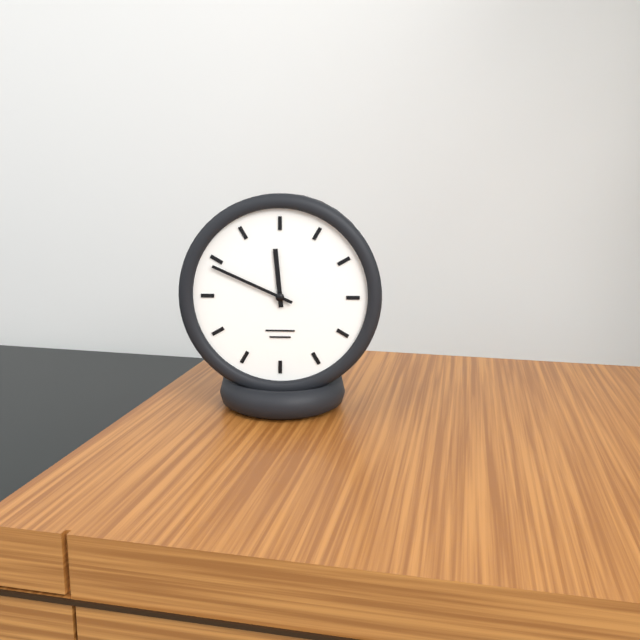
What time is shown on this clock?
11:49
